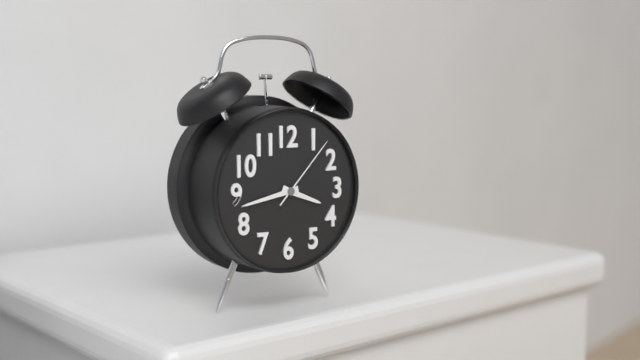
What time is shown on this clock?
3:43:07
